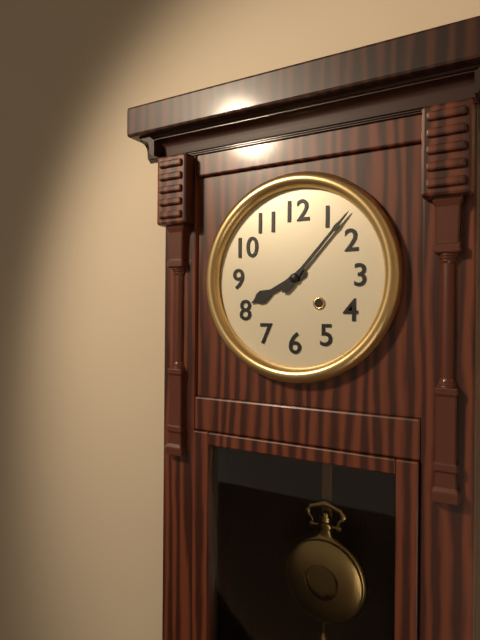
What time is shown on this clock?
8:07
